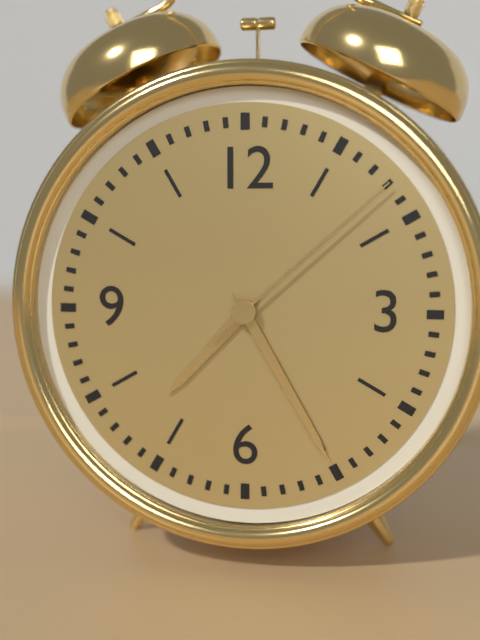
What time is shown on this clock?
7:25:08
